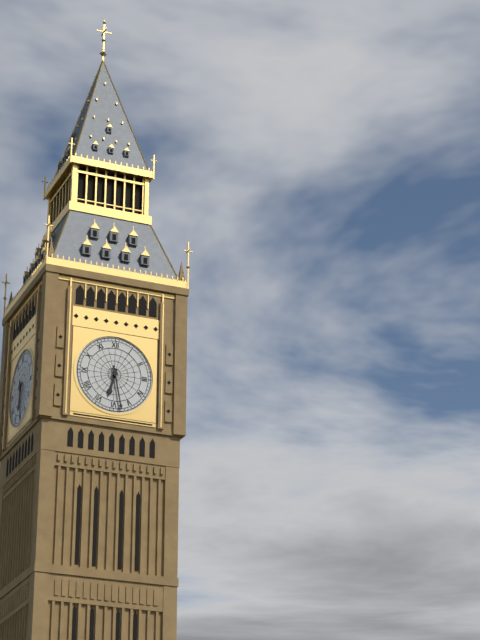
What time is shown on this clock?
6:28
